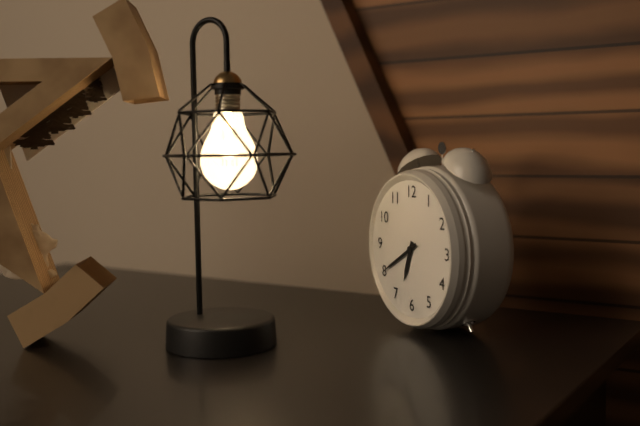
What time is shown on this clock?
6:40
